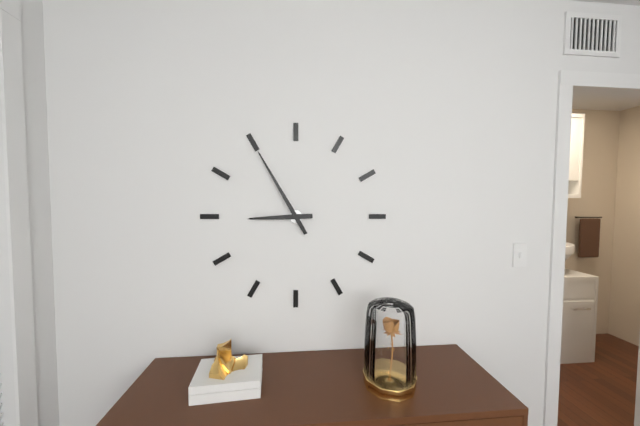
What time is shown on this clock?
8:55
